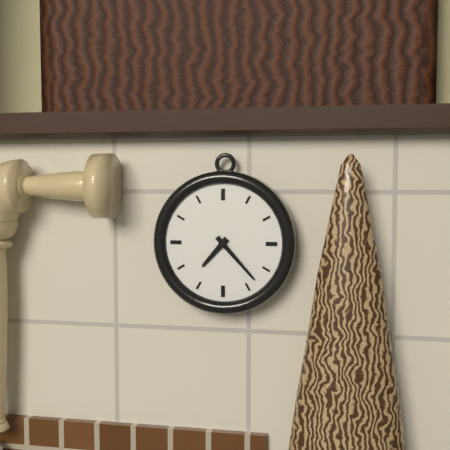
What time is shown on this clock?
7:23
